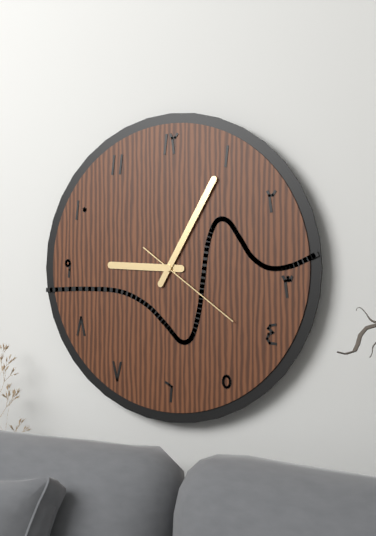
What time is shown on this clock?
9:05:21
